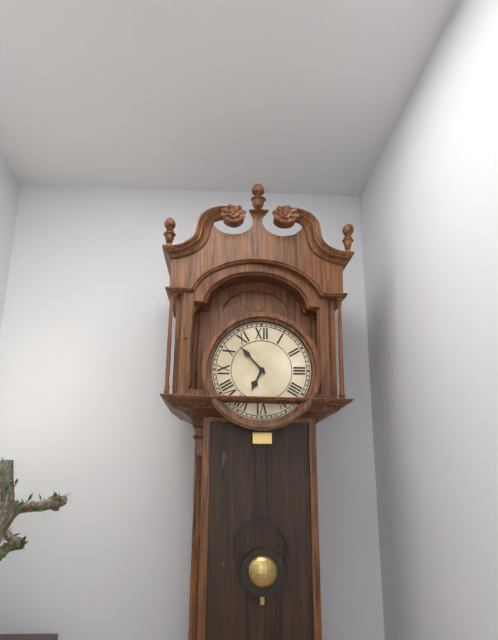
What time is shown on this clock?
6:53
